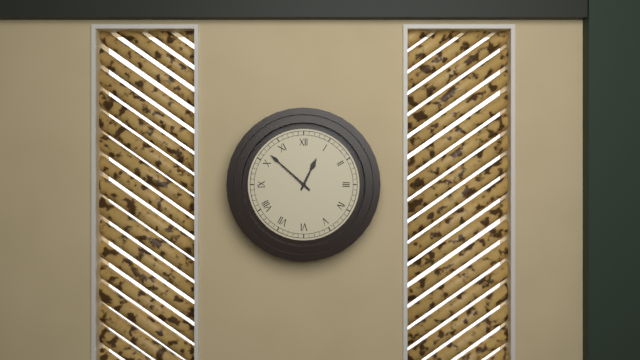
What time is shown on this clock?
12:52
